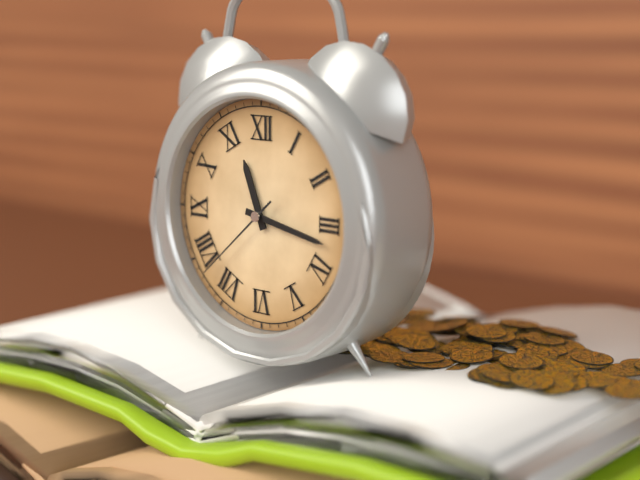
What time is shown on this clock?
11:17:38
